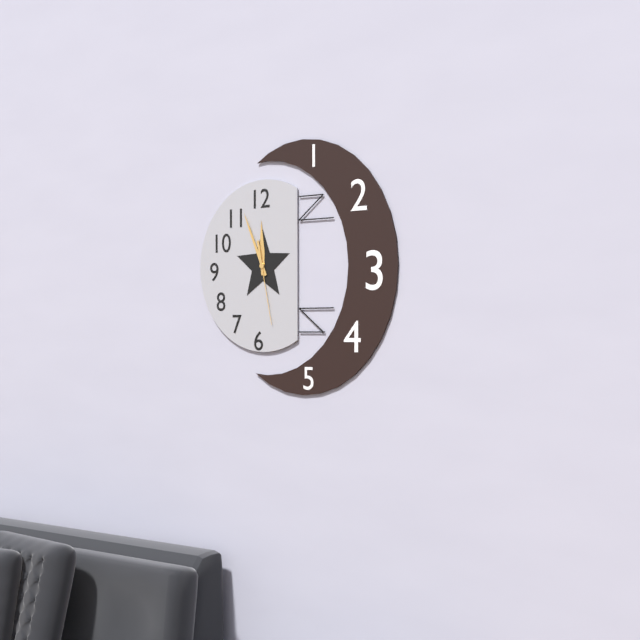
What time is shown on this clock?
11:56:28
